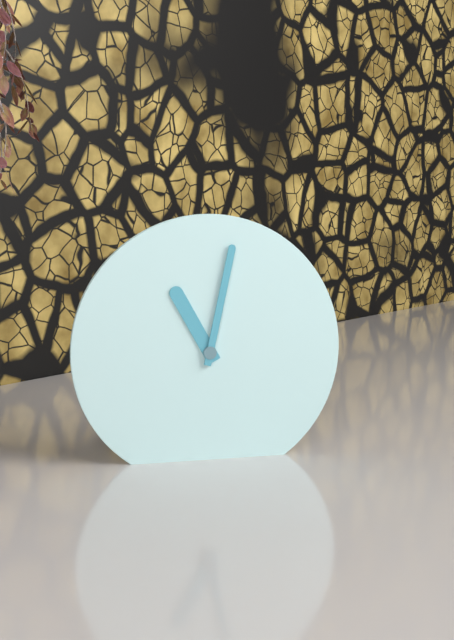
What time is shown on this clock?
11:02
